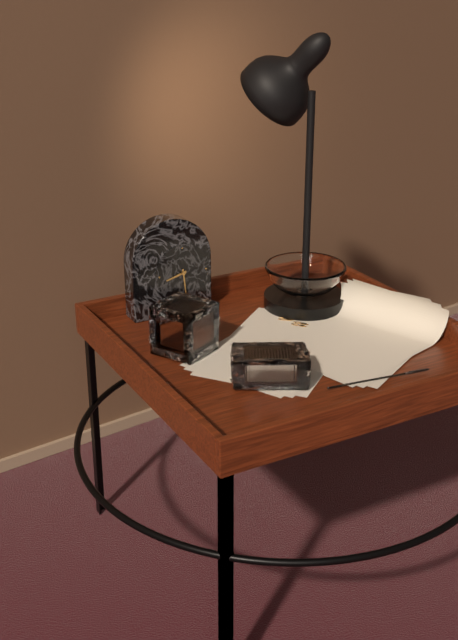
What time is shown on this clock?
8:29
